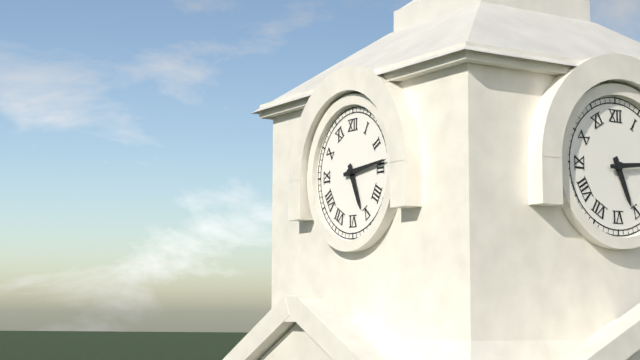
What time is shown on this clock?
5:14
